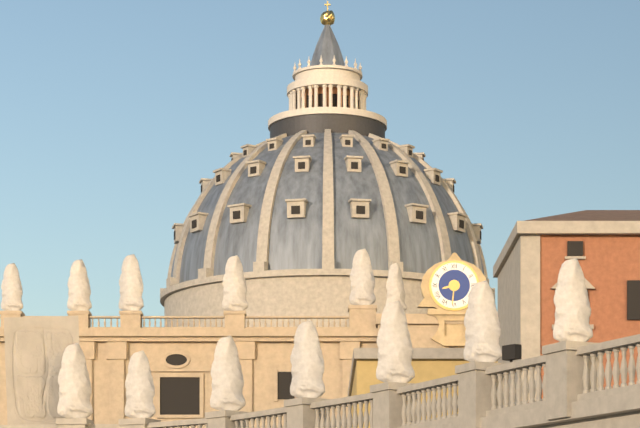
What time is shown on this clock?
8:31
